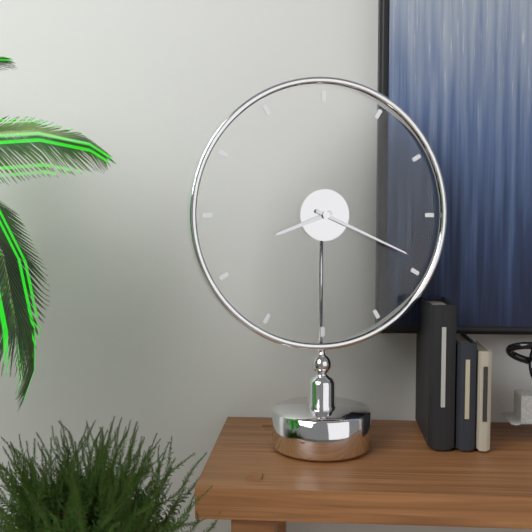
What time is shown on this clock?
8:19
